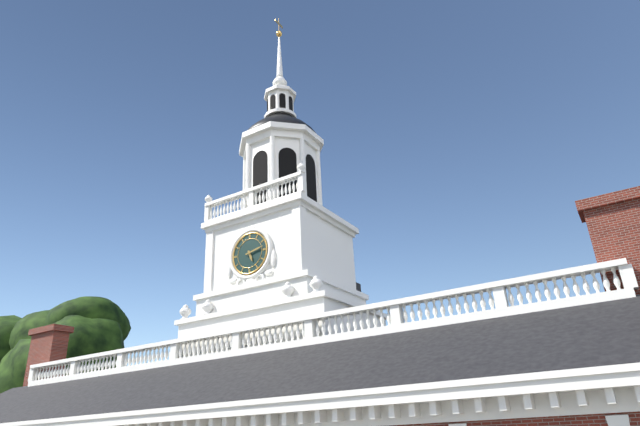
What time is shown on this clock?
5:13
